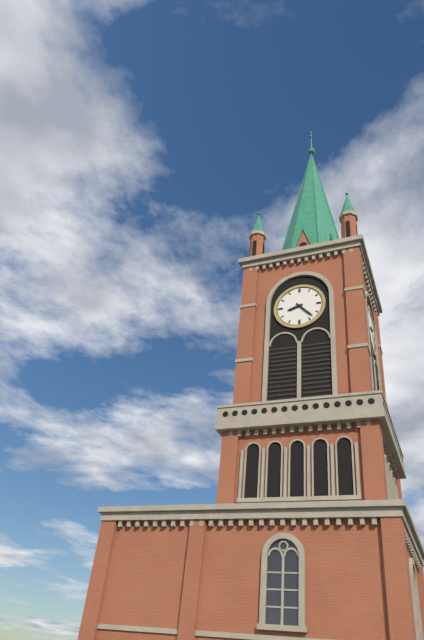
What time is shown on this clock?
8:23
